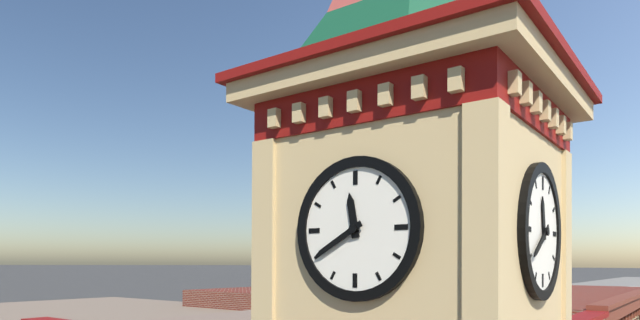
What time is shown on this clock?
11:40
